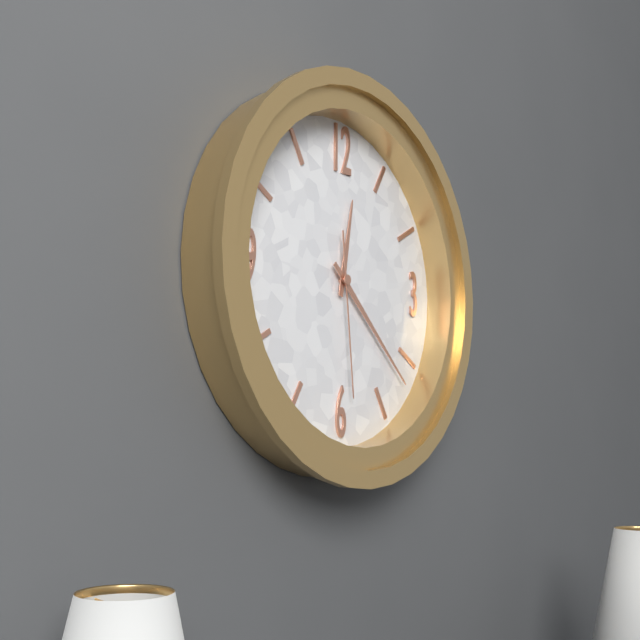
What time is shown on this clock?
12:22:29
